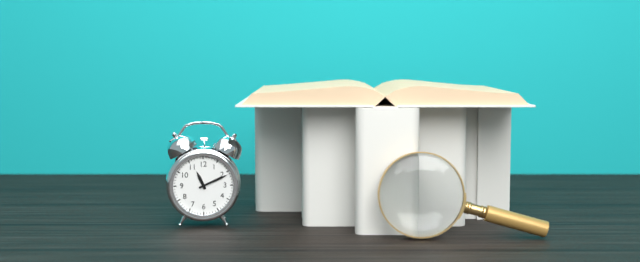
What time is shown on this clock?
11:11
